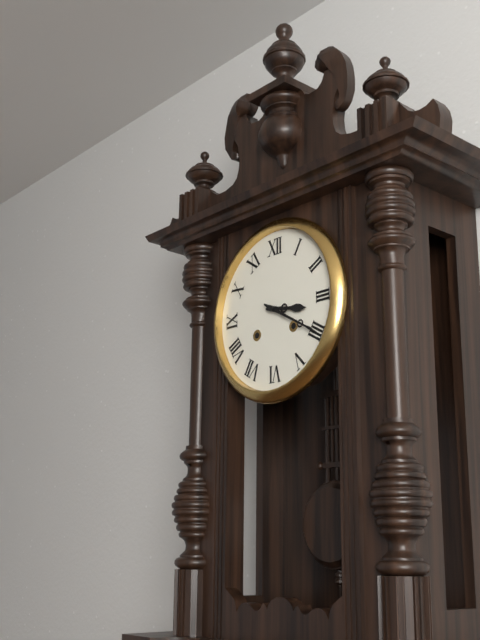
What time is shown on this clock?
3:20
